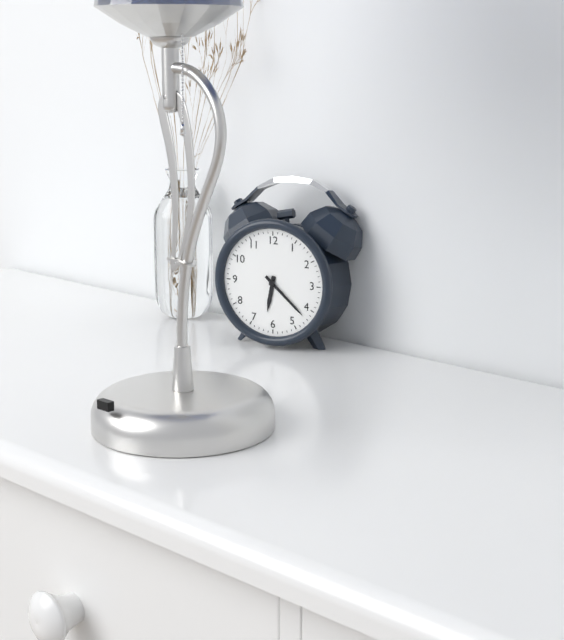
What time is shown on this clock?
6:22
